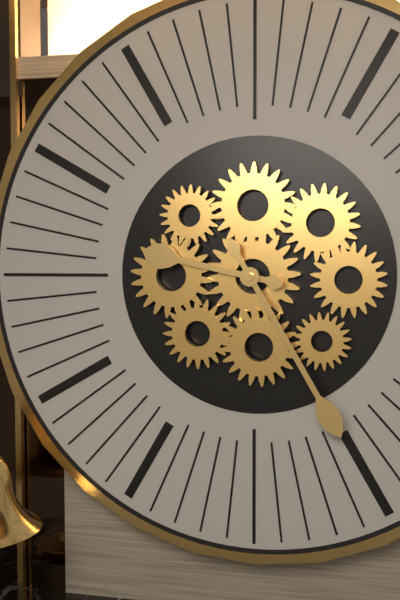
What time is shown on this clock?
9:25
